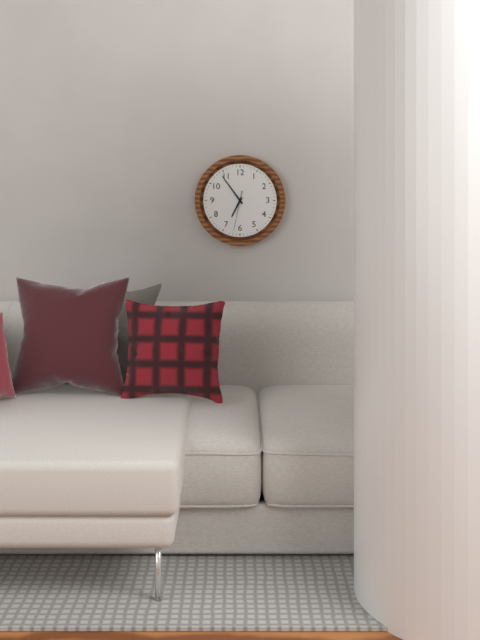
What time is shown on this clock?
6:54
